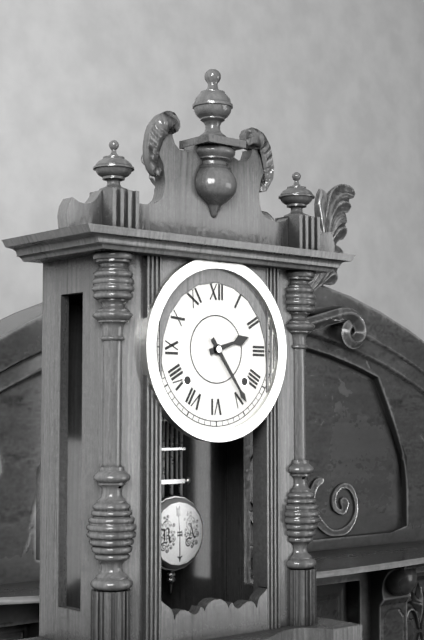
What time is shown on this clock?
2:24
